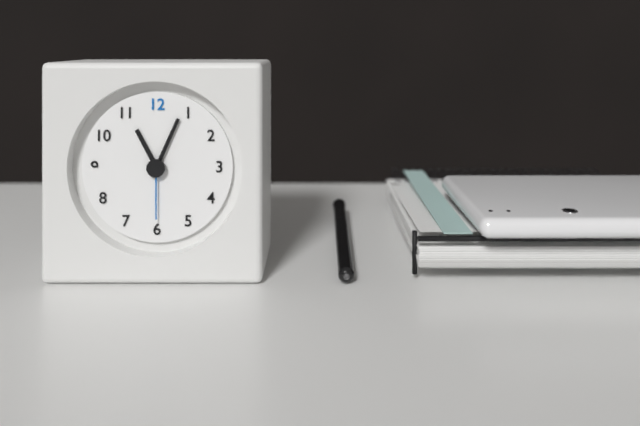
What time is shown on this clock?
11:04:30
